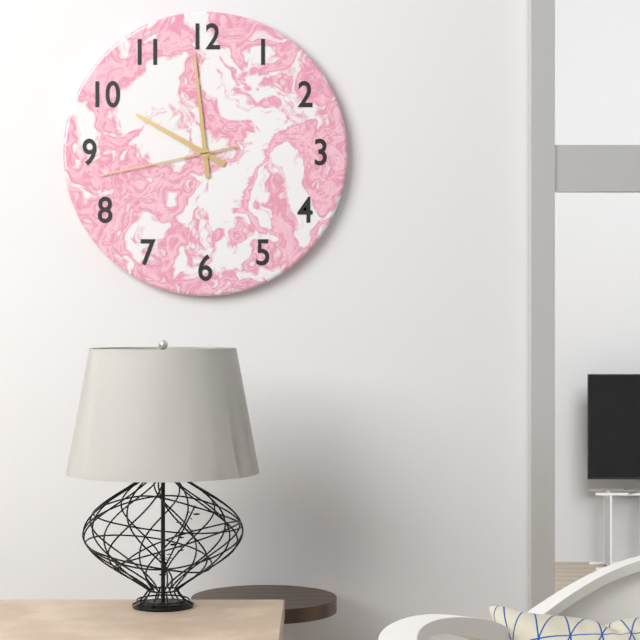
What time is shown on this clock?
9:59:43
